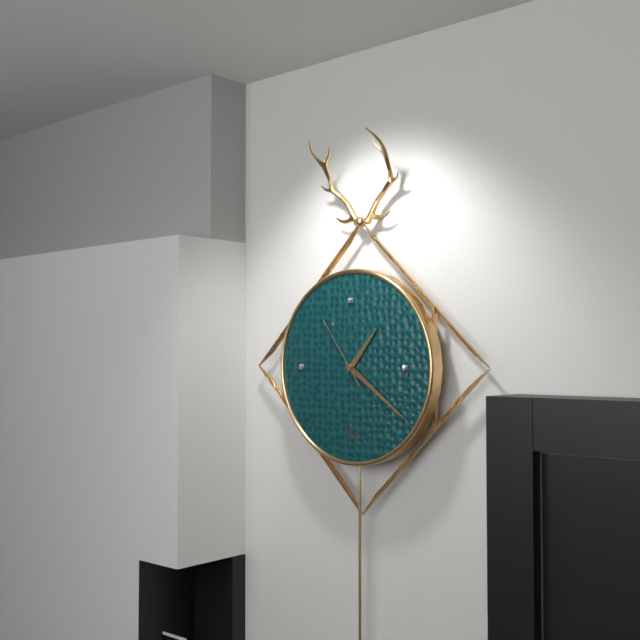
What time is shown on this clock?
1:21:54
